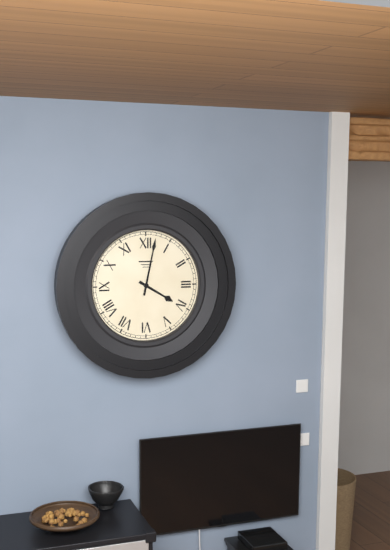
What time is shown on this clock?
4:02
